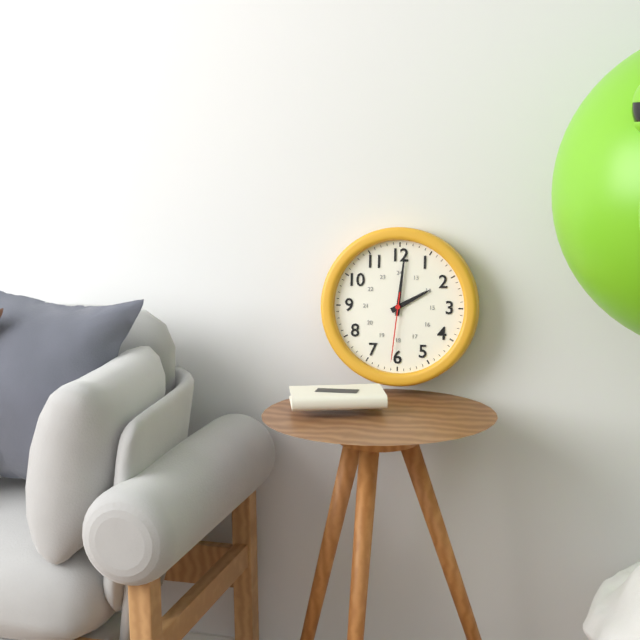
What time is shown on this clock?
2:01:31
